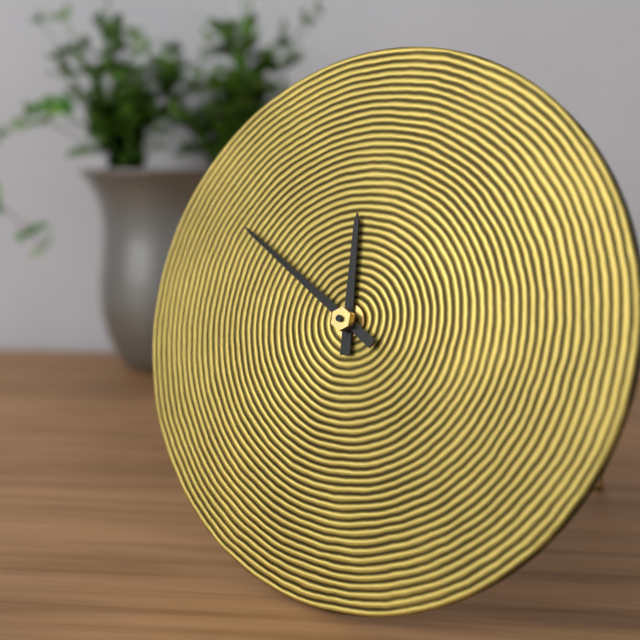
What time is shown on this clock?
11:50
